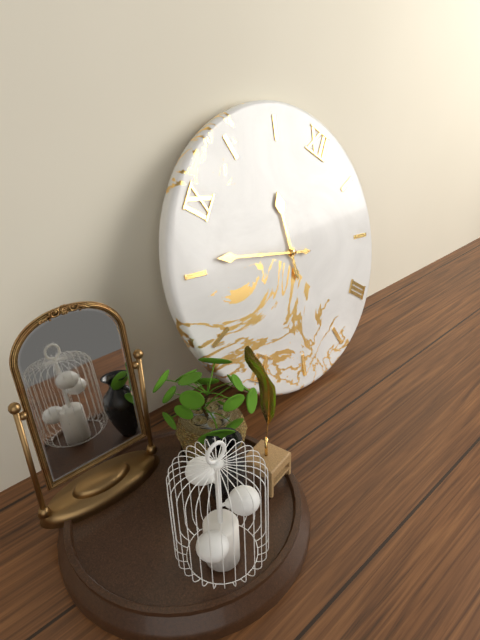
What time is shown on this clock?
10:41
